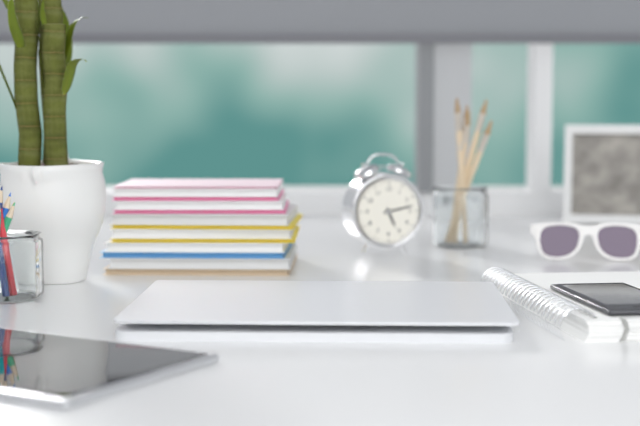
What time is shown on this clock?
5:13
